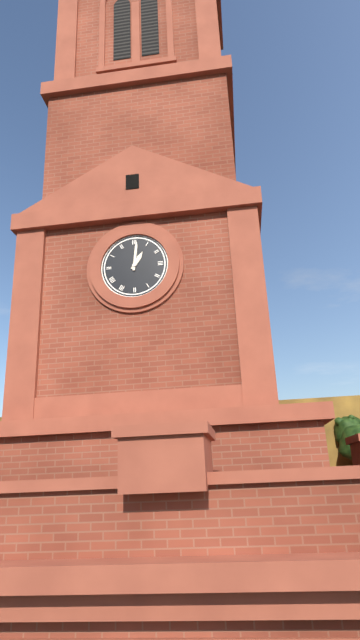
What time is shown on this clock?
1:01
